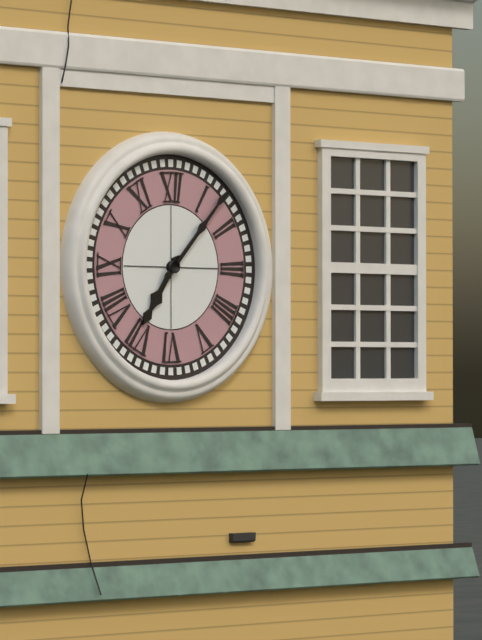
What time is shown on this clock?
7:07
